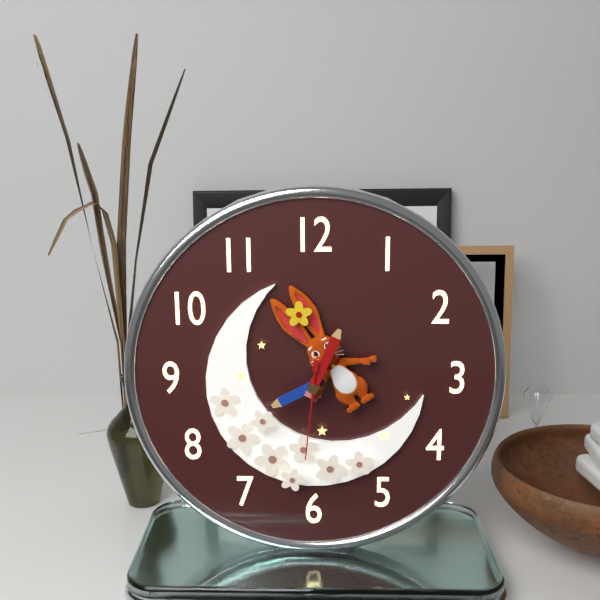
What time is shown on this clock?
8:04:31
